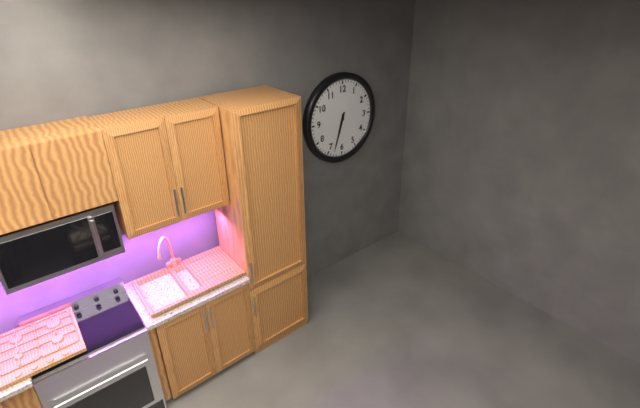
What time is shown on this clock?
6:33
